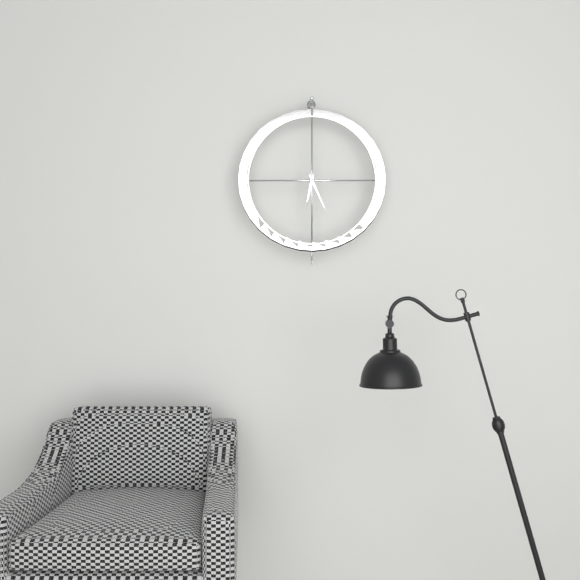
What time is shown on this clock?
6:26
